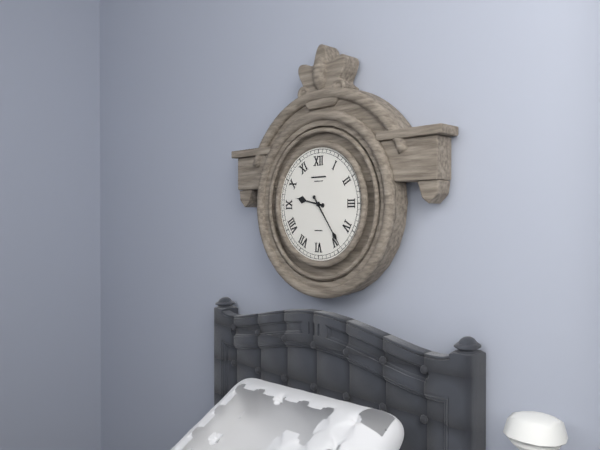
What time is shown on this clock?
9:24
